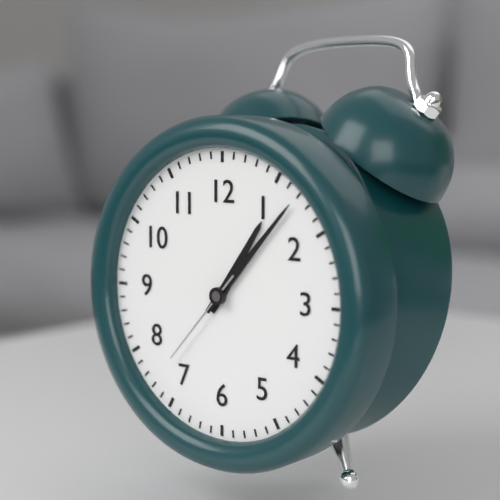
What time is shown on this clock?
1:07:37
